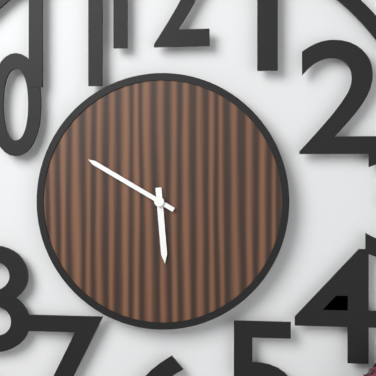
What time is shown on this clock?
5:50
